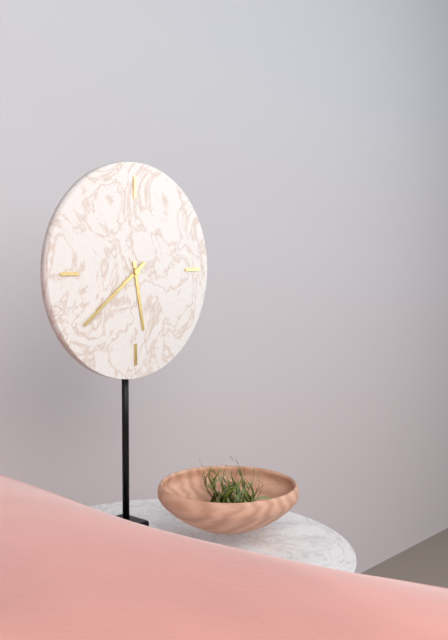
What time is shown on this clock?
5:39
